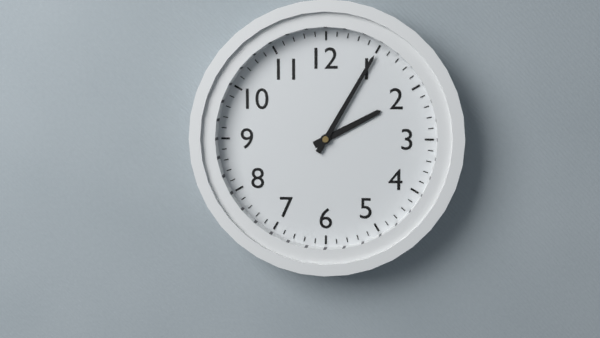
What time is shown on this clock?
2:05
